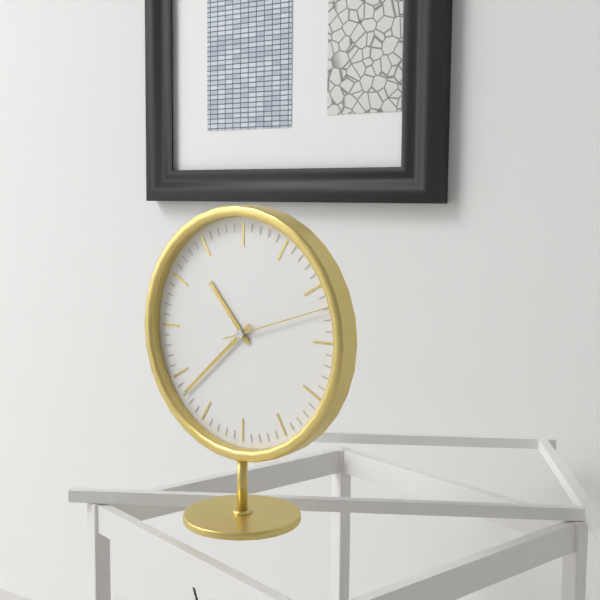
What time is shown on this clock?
10:38:12
